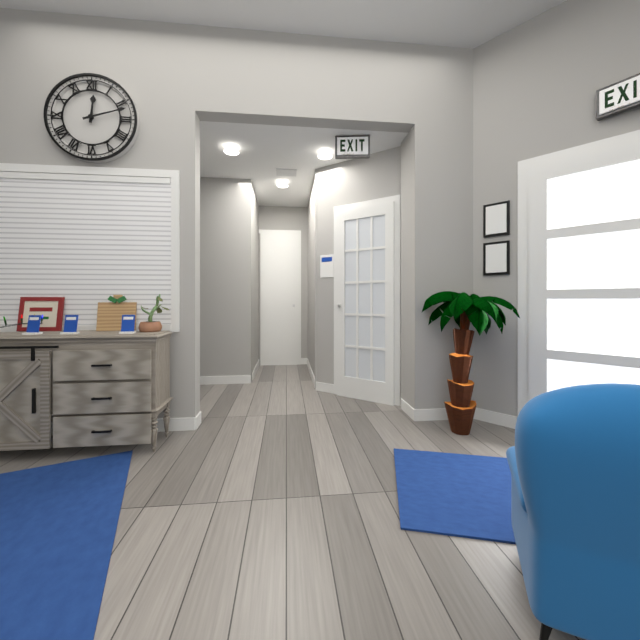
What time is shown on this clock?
12:12
